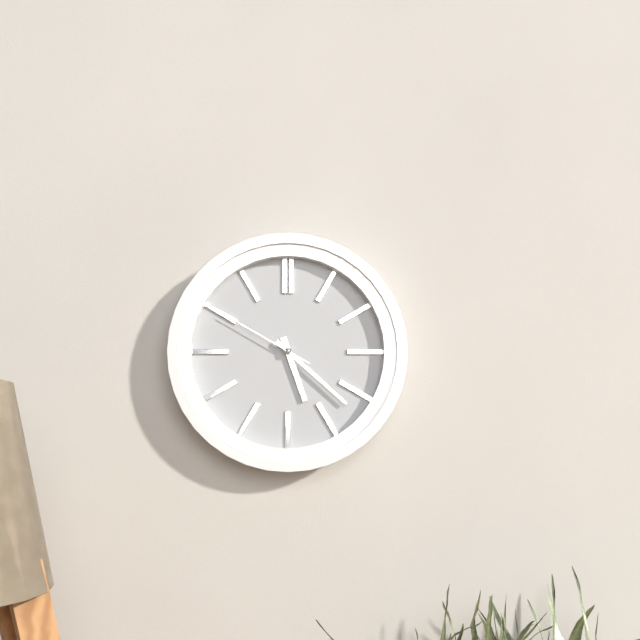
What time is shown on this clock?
5:22:50
